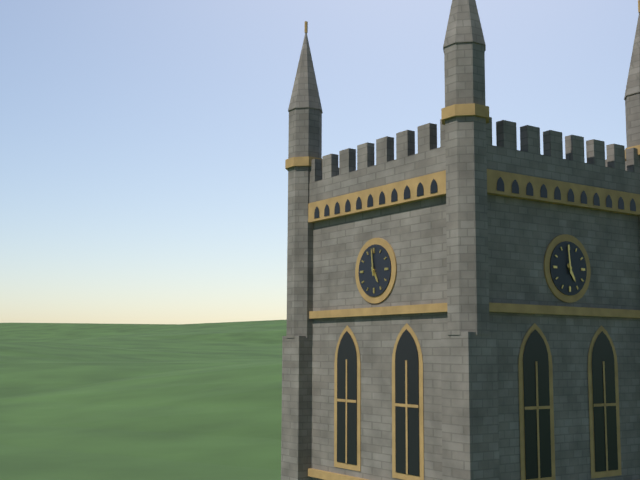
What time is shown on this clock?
4:59
